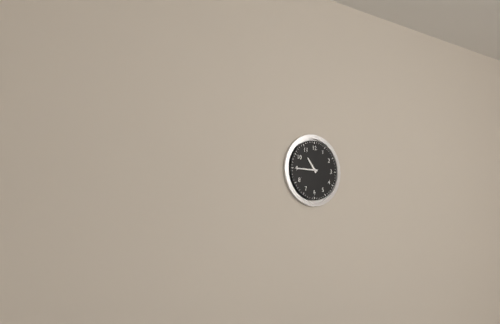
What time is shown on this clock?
10:45
